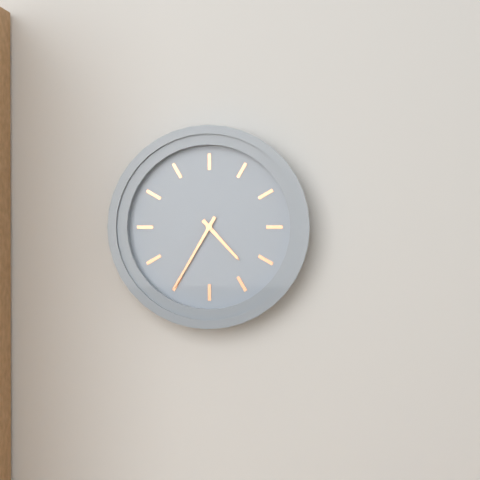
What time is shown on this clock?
4:35
